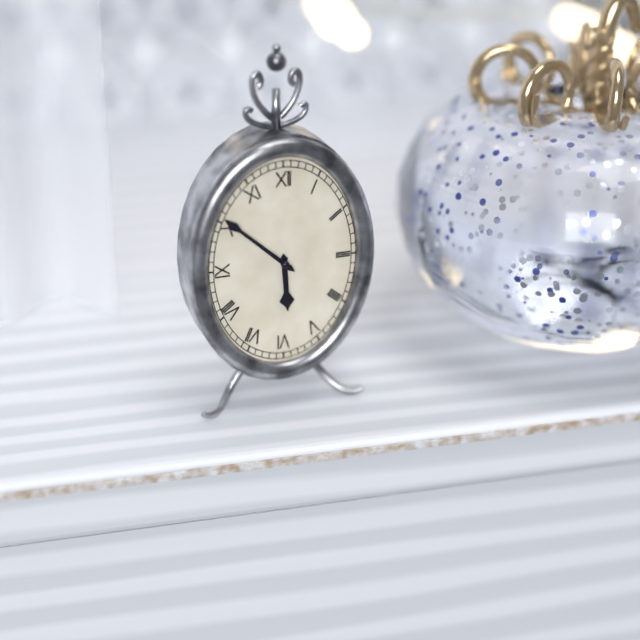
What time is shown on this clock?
5:52
